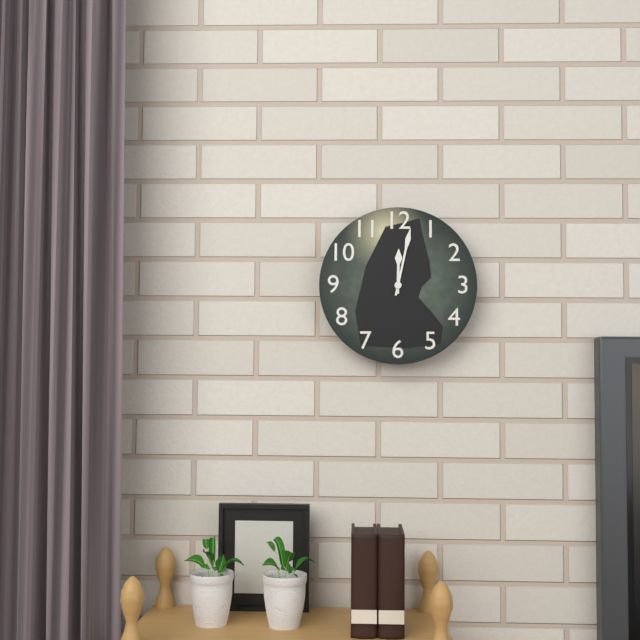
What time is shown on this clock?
12:02
